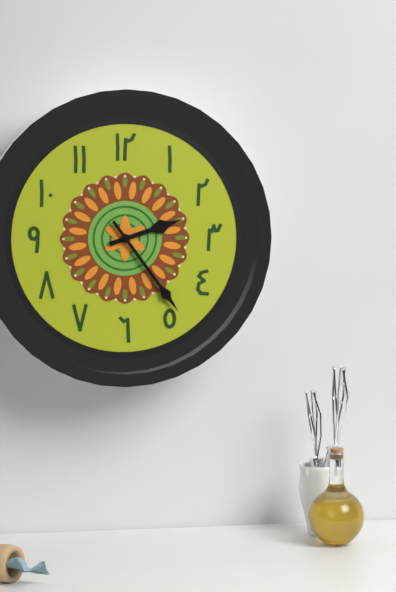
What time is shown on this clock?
2:24
